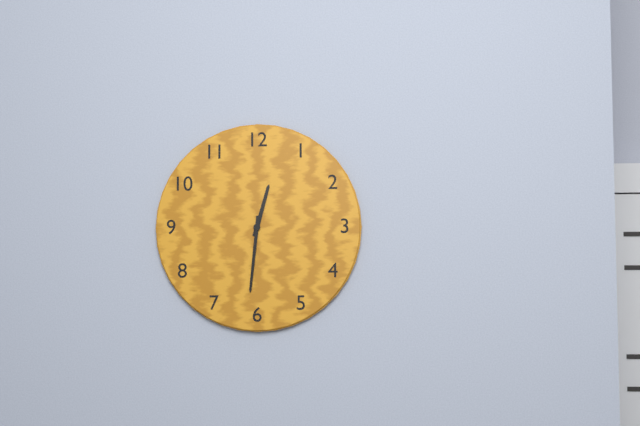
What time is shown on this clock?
12:31
